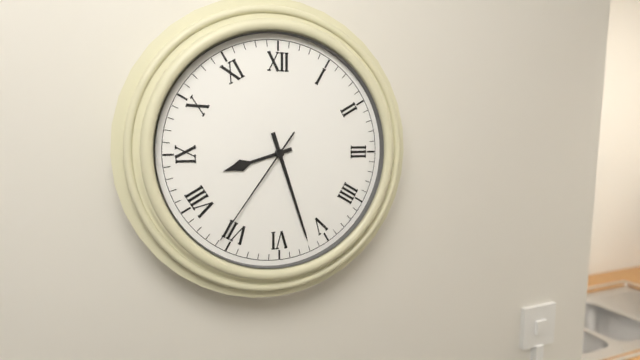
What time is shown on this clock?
8:27:36
